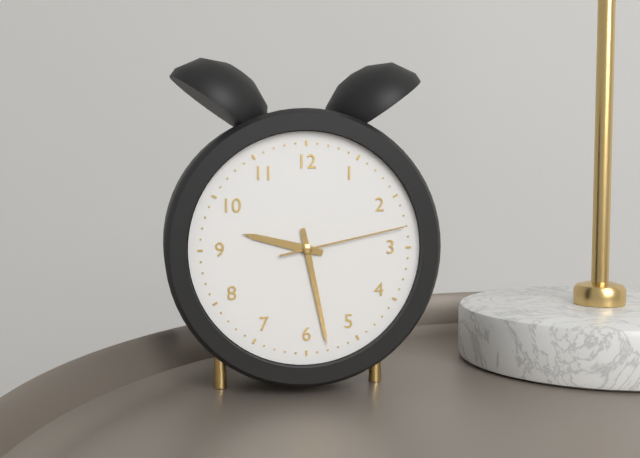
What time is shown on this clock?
9:28:13
